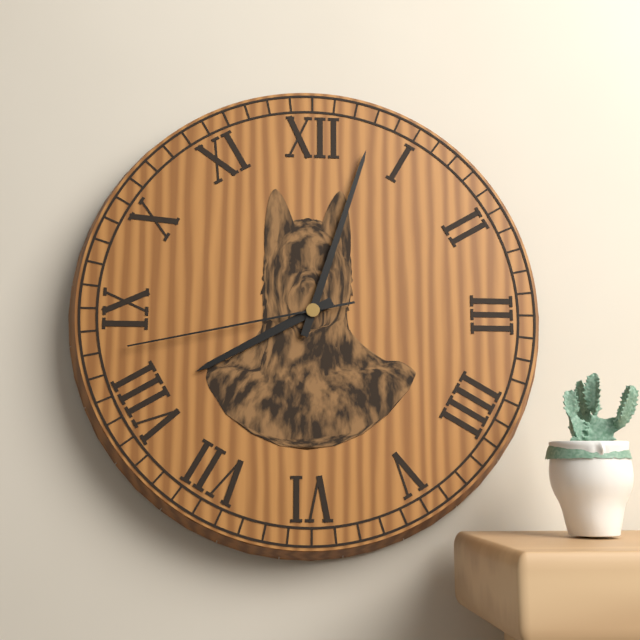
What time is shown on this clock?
8:03:43
